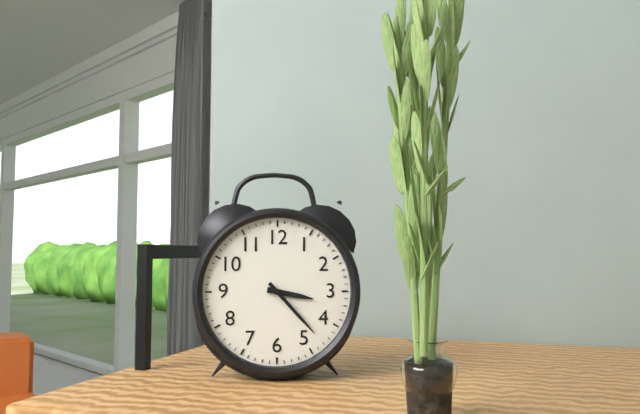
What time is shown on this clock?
3:23
